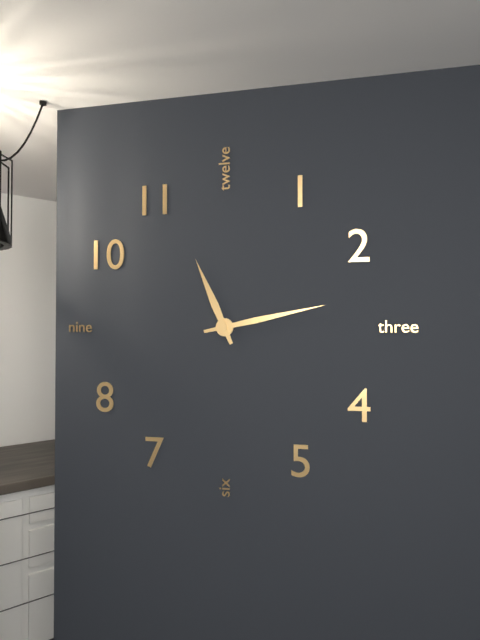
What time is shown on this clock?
11:13
